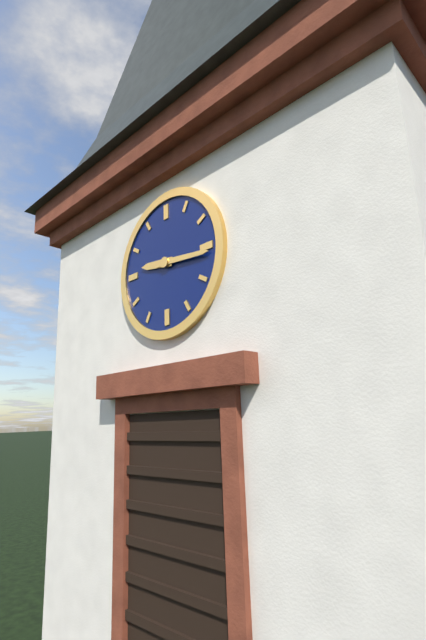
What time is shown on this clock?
9:16
